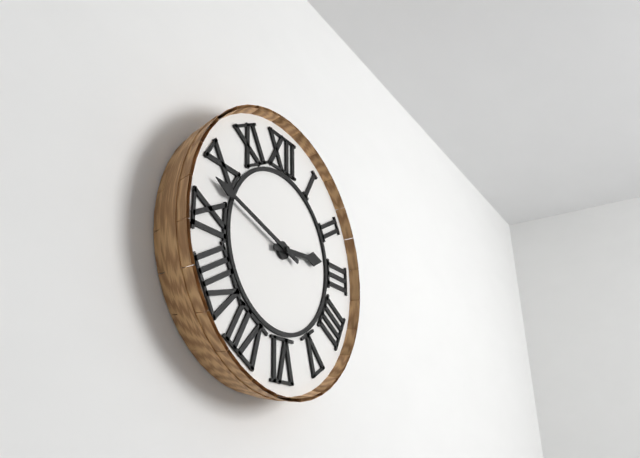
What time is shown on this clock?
2:48
